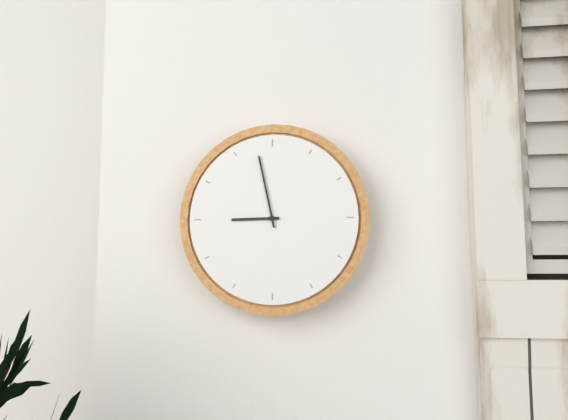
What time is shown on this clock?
8:58
